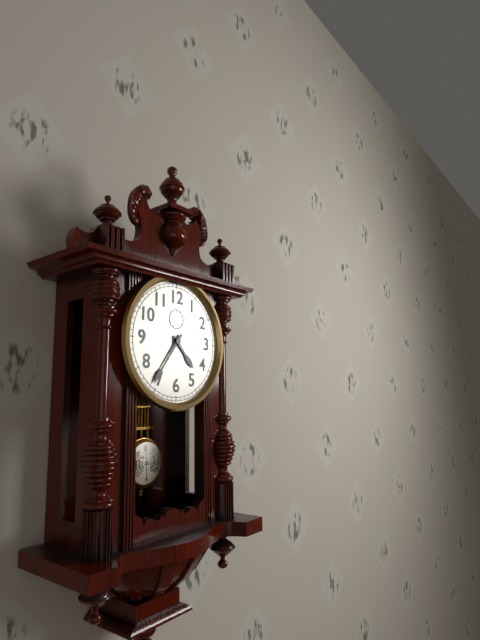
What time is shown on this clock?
4:36
